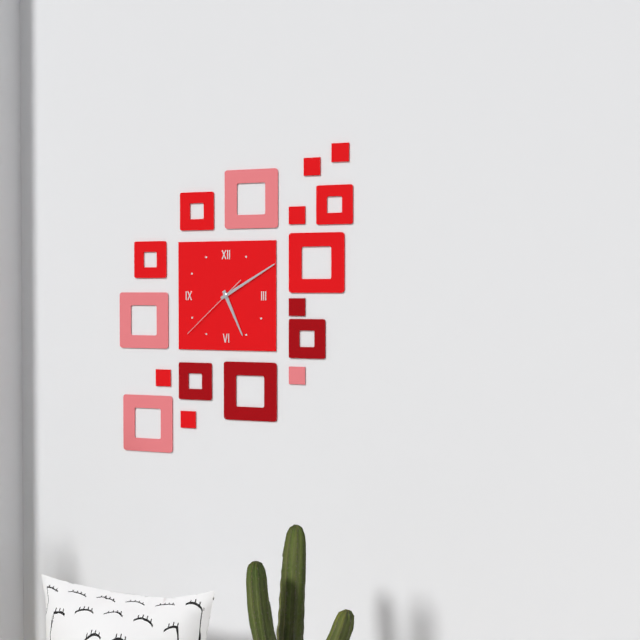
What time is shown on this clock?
5:10:38
